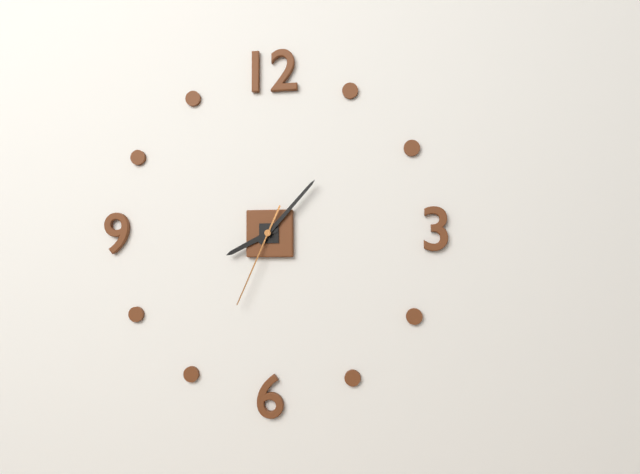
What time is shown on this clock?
8:07:34
